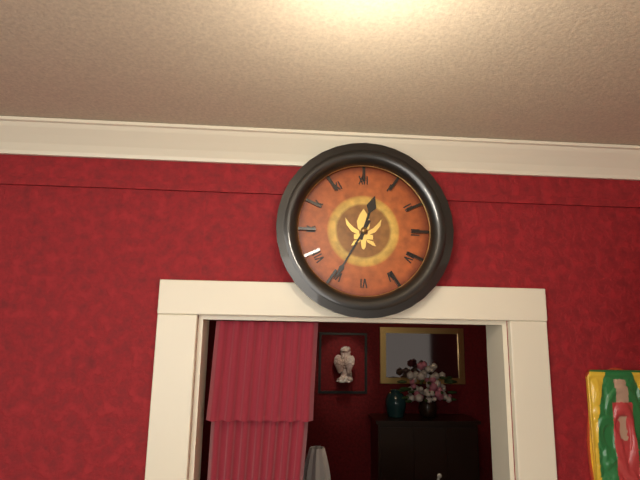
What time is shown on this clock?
12:35
